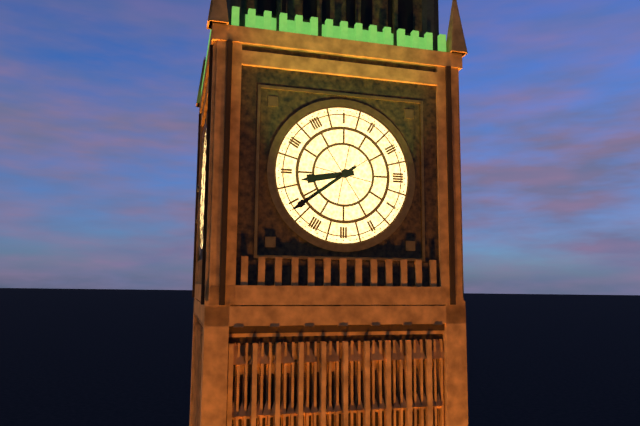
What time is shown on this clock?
8:39
